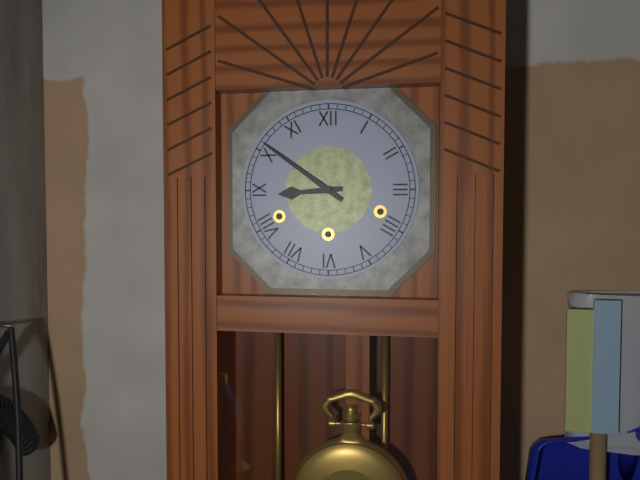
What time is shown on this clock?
8:51
